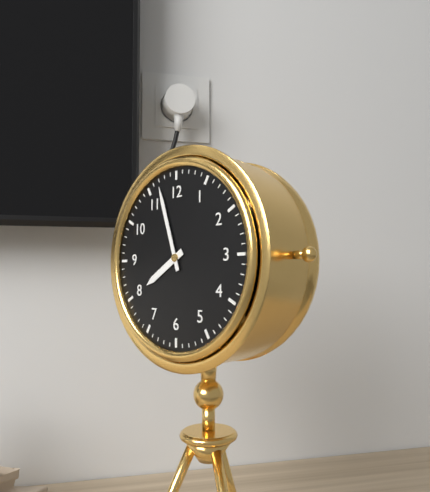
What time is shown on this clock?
7:57
